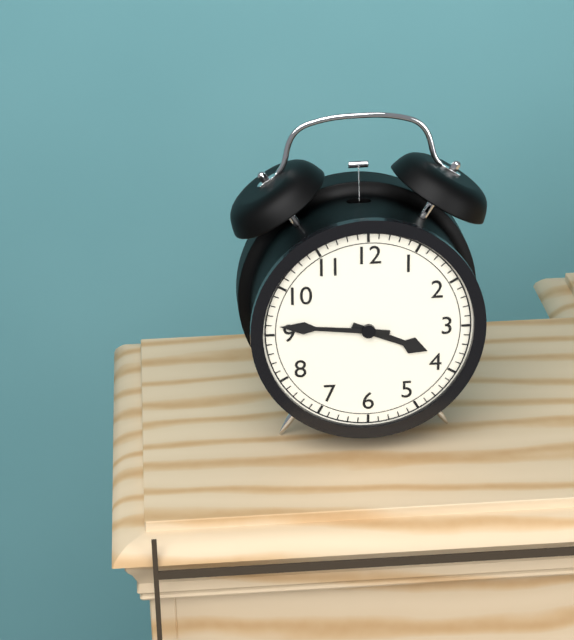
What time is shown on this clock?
3:46
